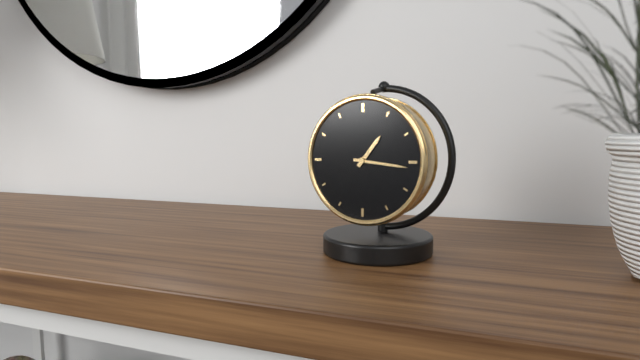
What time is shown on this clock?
1:16
